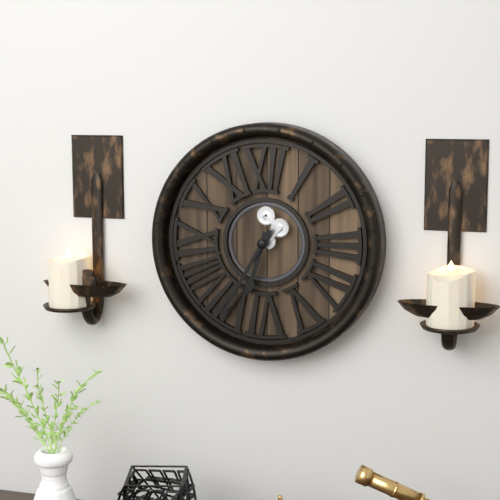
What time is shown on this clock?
6:35
